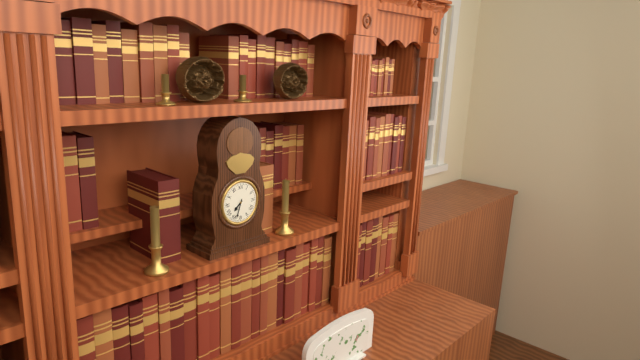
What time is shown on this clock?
7:33
